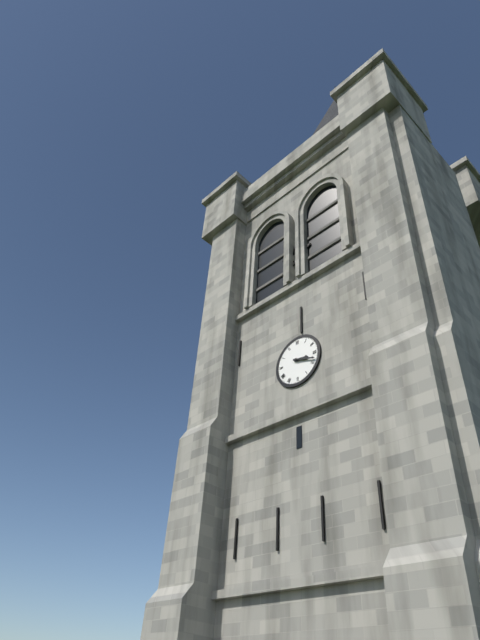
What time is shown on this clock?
3:18
